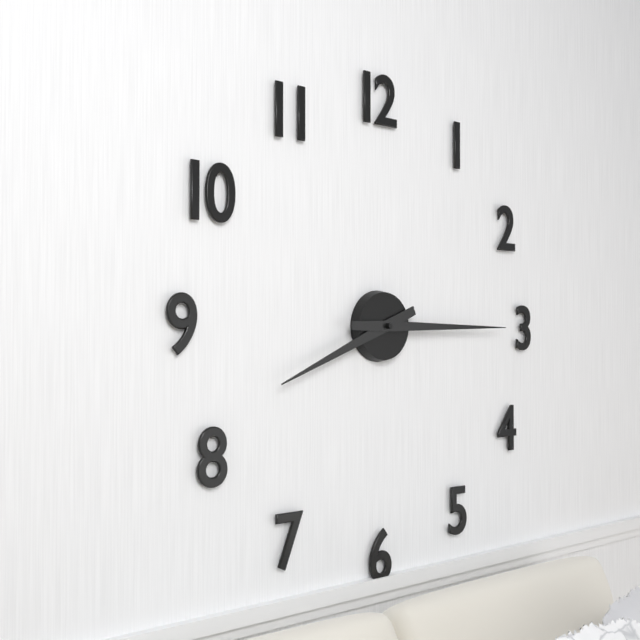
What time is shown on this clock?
8:15
